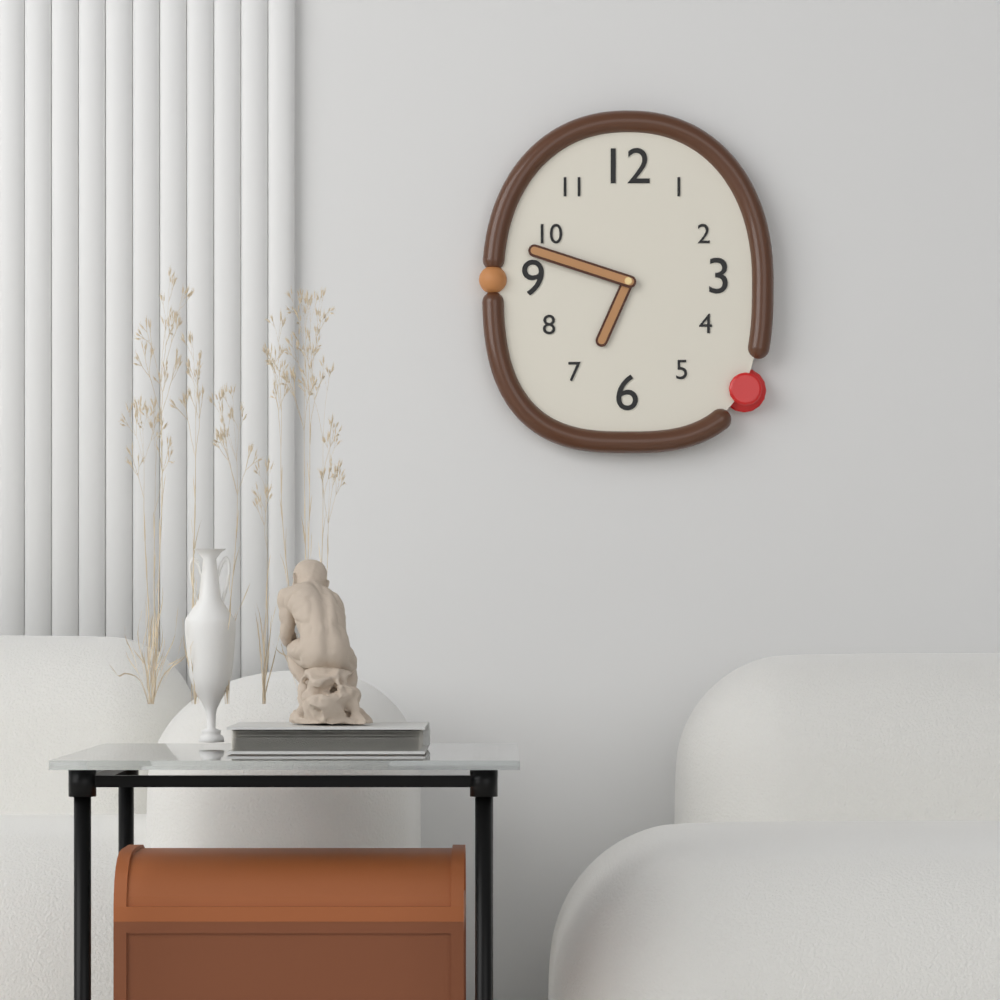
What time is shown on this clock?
6:48
